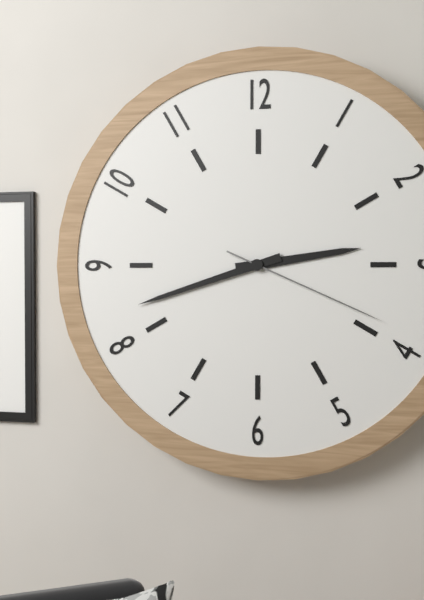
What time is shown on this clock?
2:42:19
